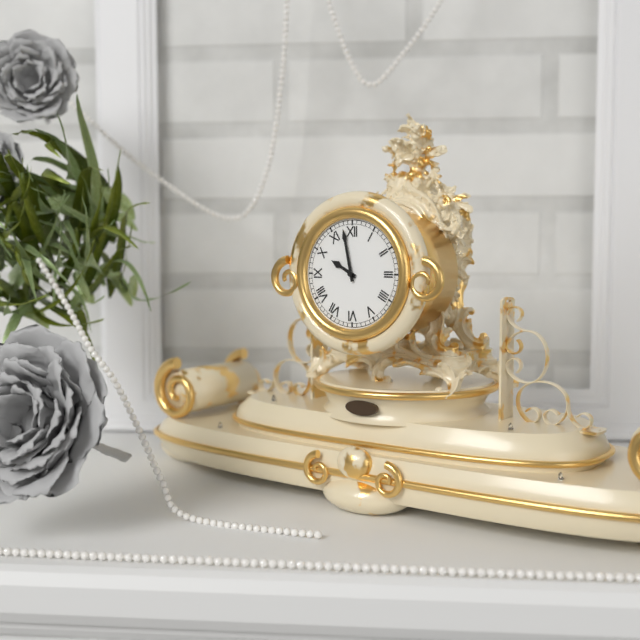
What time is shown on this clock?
9:58
